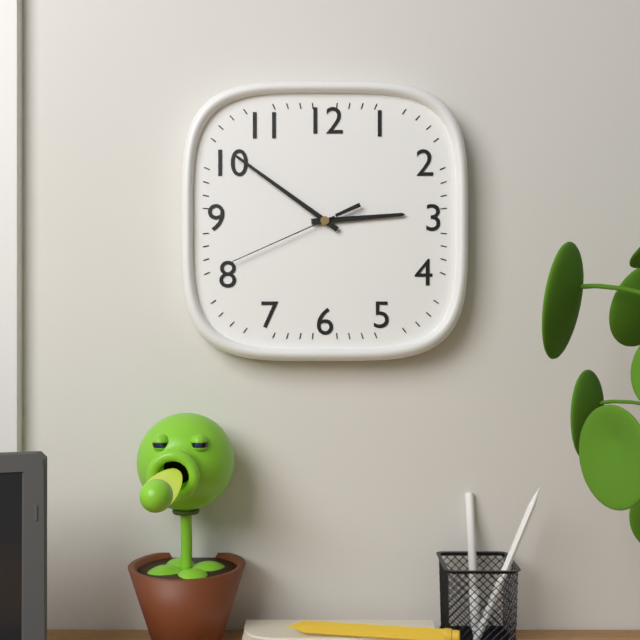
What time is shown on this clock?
2:51:41
